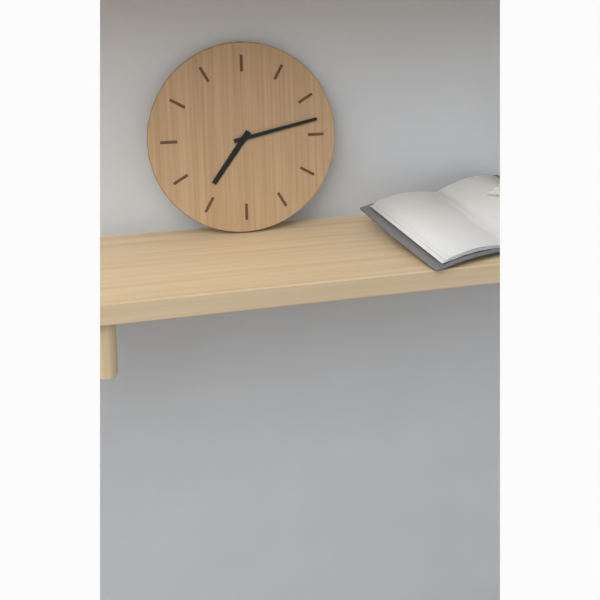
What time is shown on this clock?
7:13
